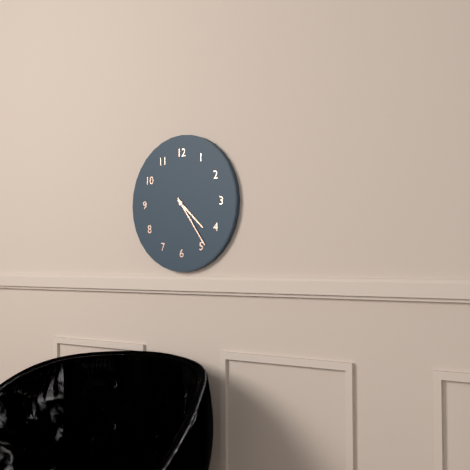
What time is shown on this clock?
4:24
